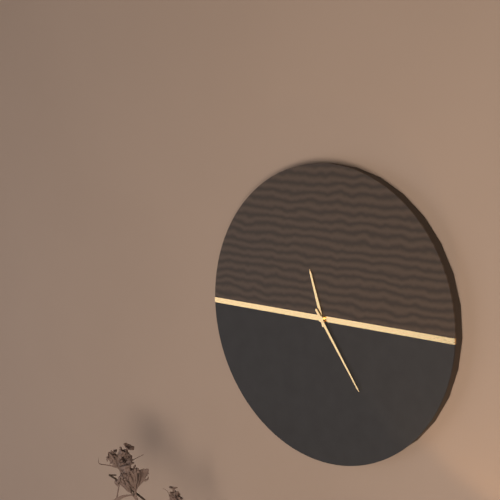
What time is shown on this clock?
11:24
